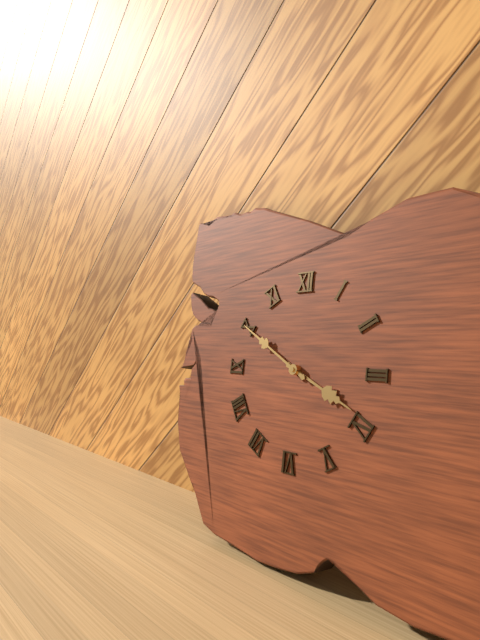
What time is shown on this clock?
3:50
